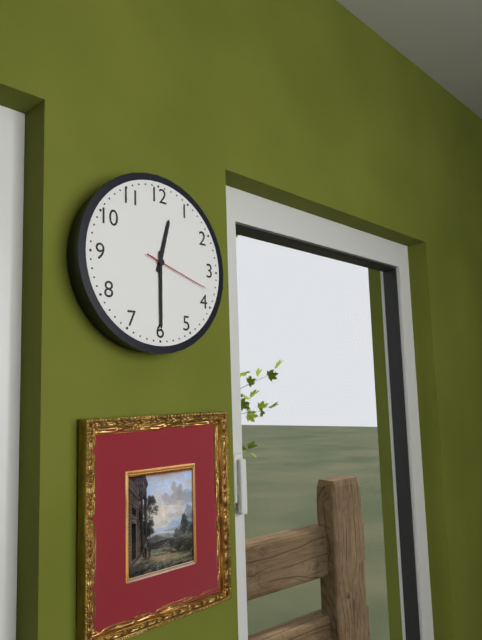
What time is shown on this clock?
12:30:18
